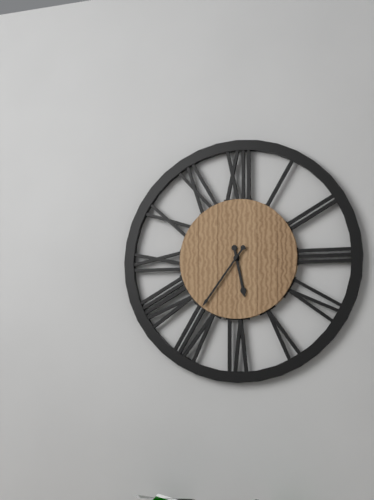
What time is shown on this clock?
5:36
